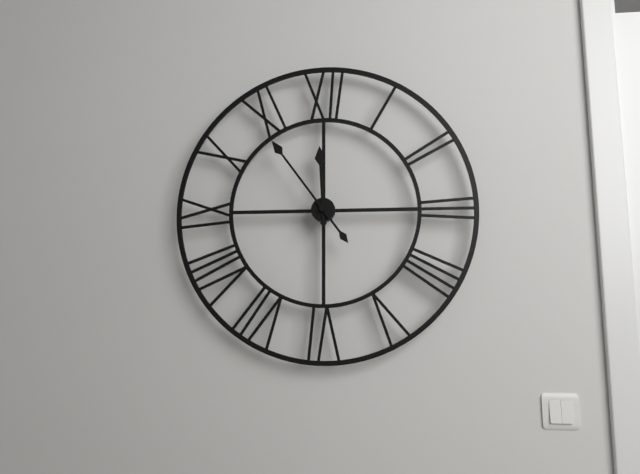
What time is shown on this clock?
11:54
